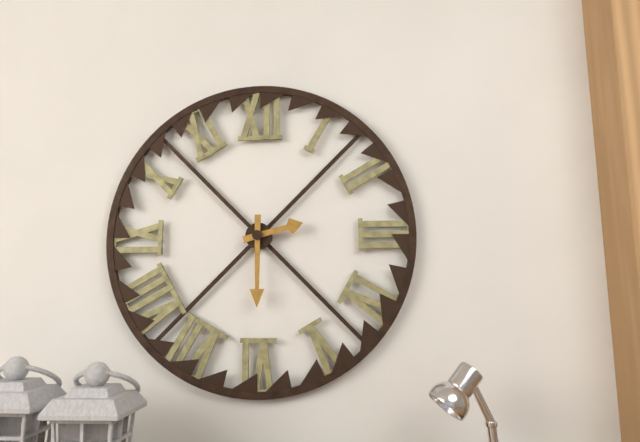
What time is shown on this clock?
2:30
